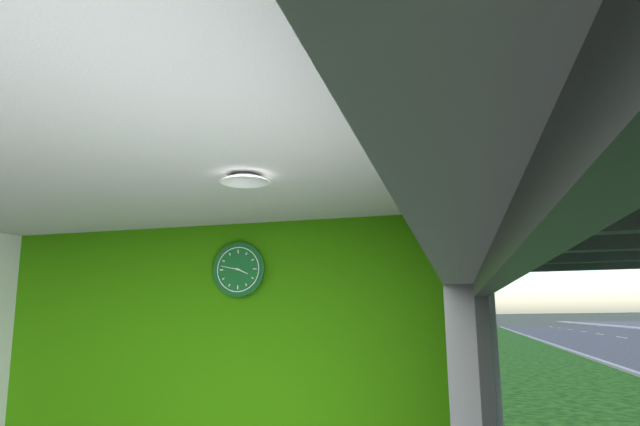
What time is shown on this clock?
3:47
